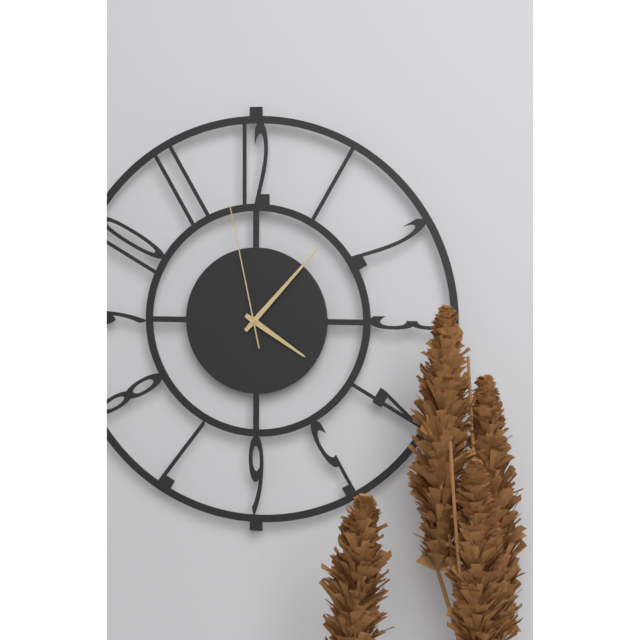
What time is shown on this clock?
4:07:58
